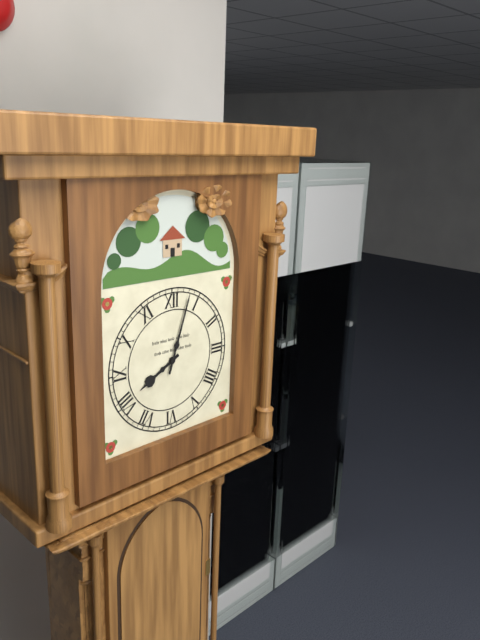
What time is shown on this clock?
8:03
